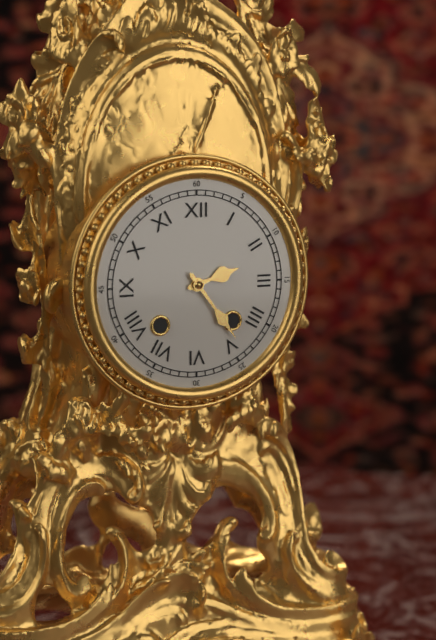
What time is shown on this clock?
2:24
